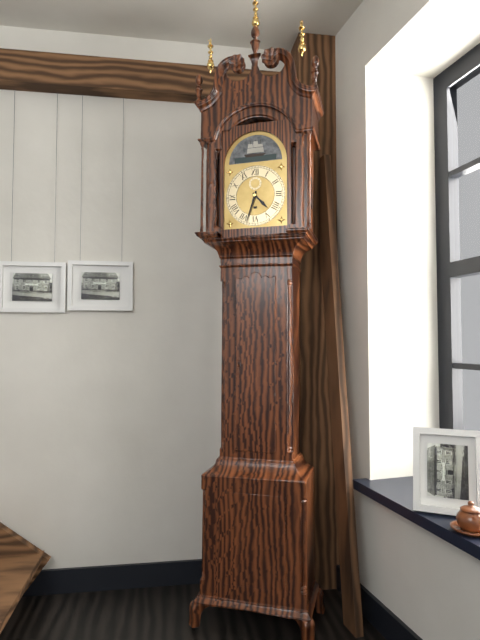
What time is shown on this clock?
4:33
